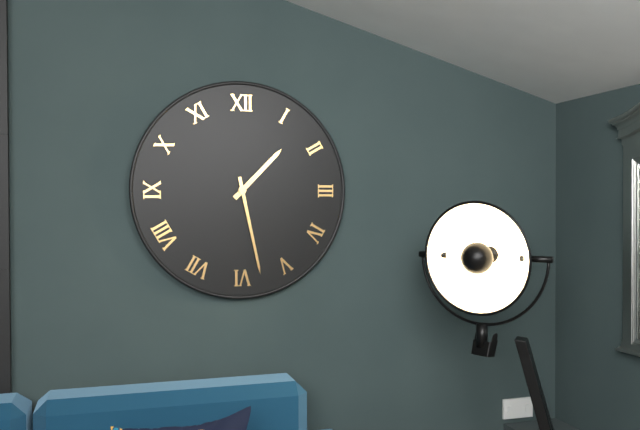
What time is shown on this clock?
1:28
